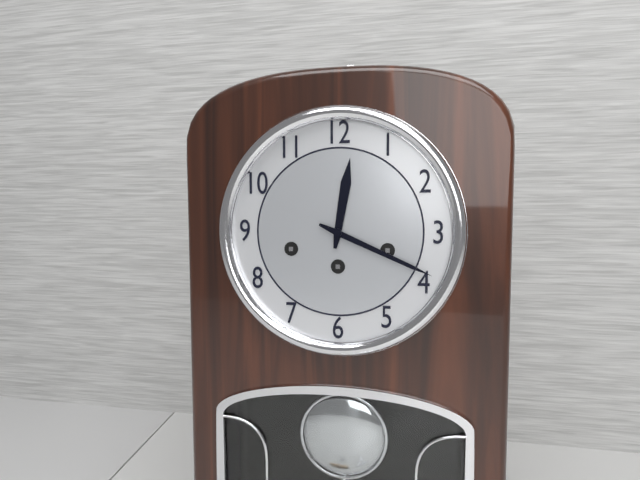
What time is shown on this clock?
12:19
